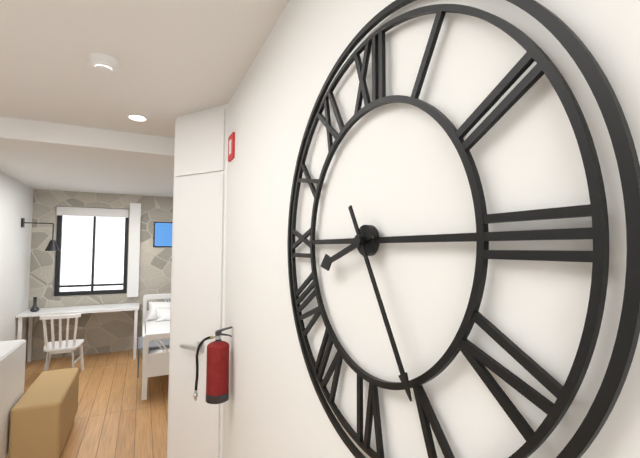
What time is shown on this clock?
8:25
